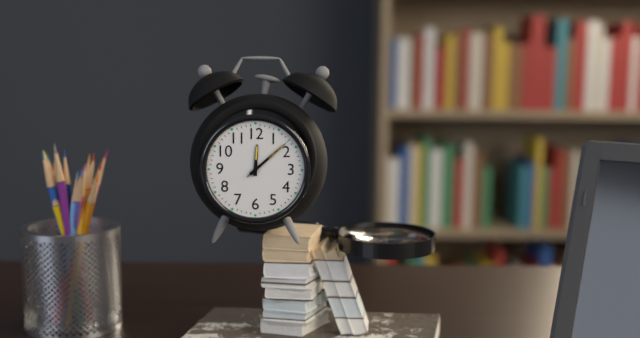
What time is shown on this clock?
12:08:08
